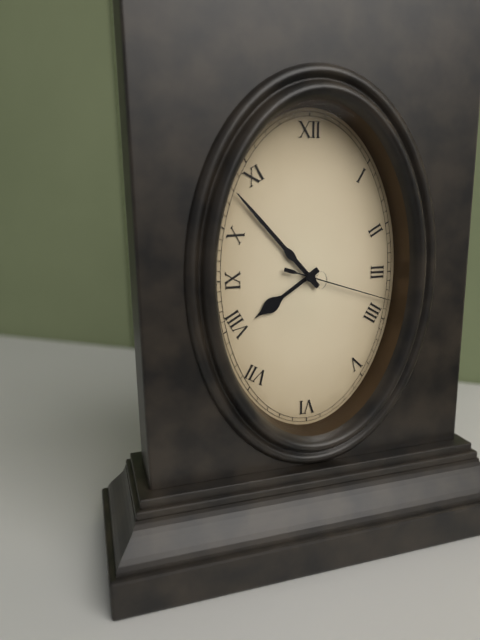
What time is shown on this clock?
7:53:18
